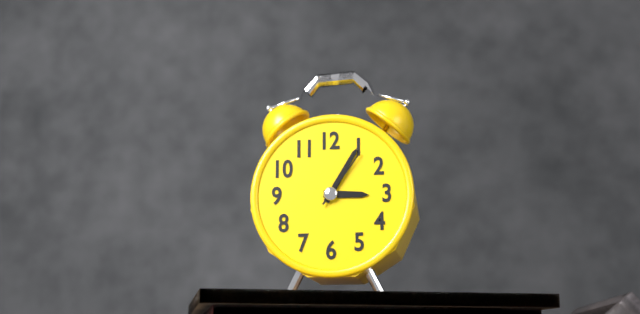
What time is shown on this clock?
3:05:06
